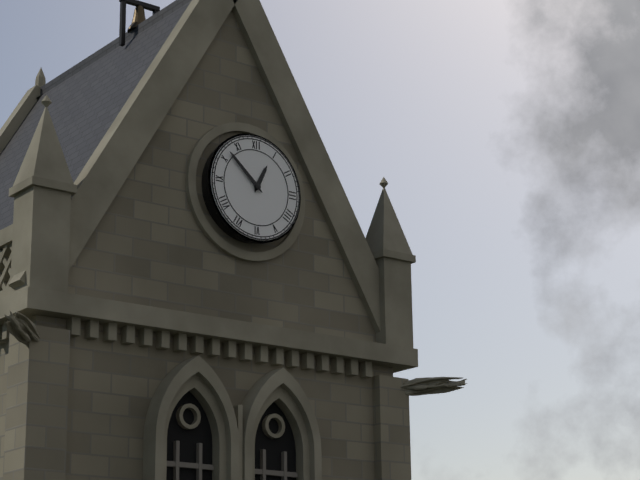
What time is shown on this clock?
12:52
